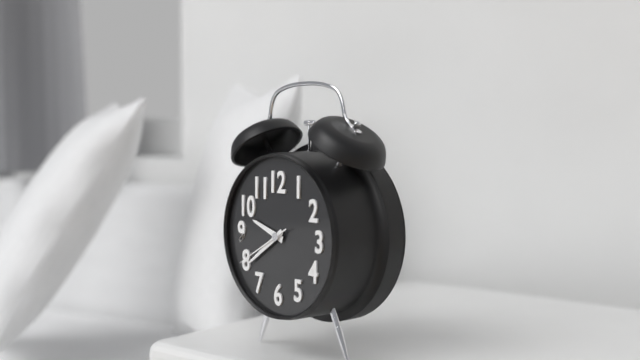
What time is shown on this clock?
9:39:40
